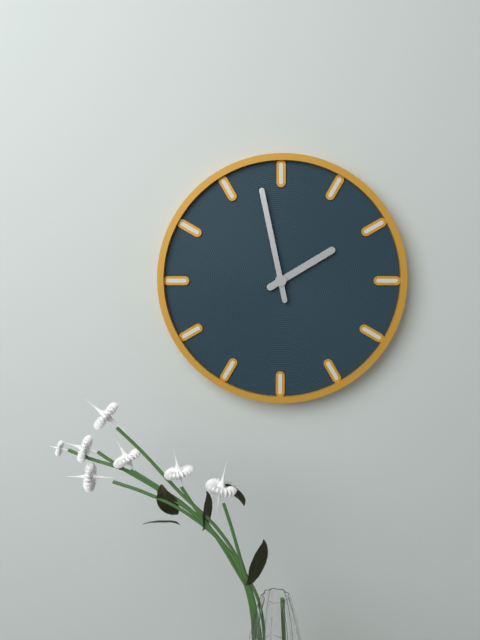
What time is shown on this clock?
1:58
